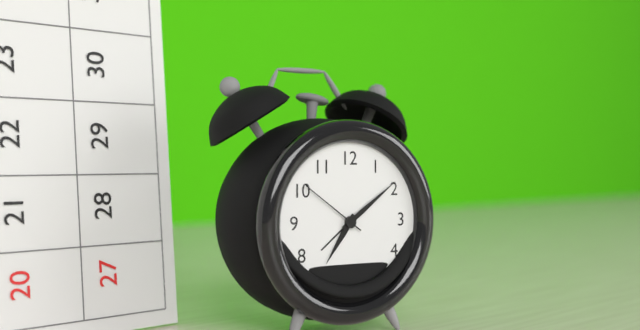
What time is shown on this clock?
7:09:51
